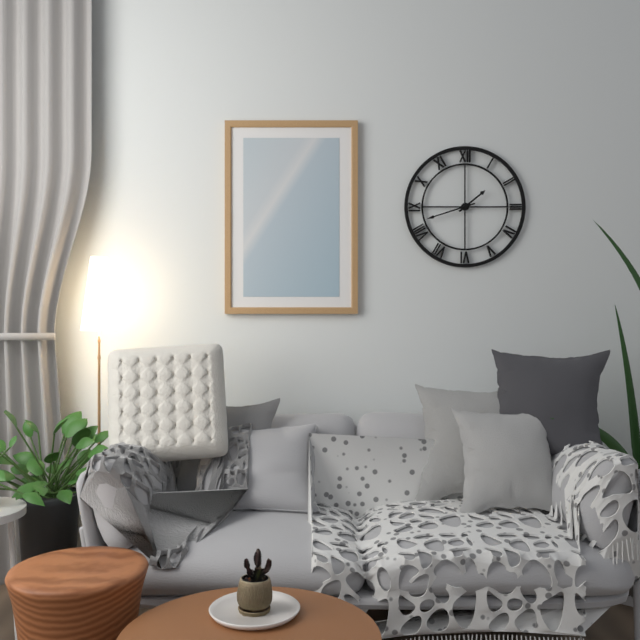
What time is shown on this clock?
1:42
